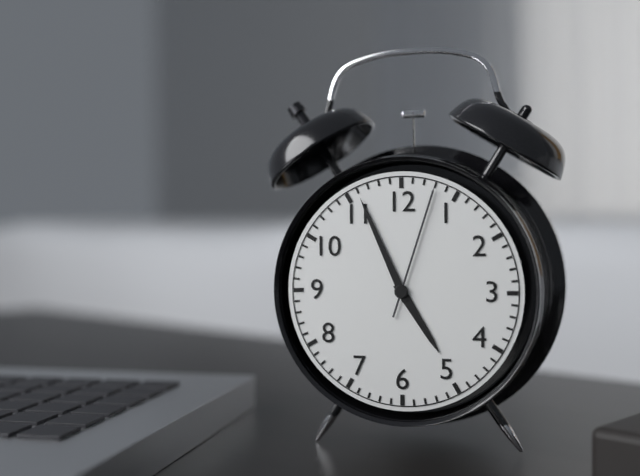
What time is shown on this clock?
4:56:03
